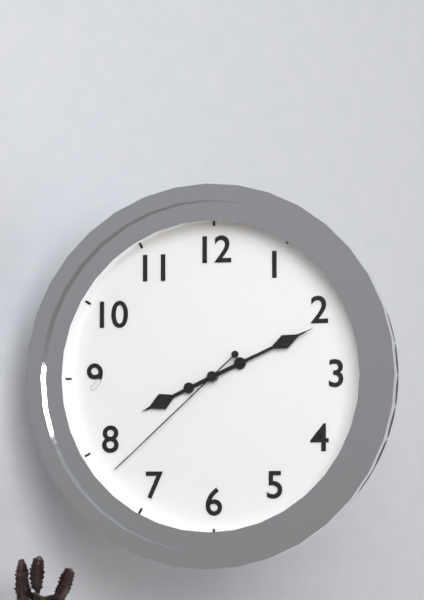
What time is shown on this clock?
8:11:38
